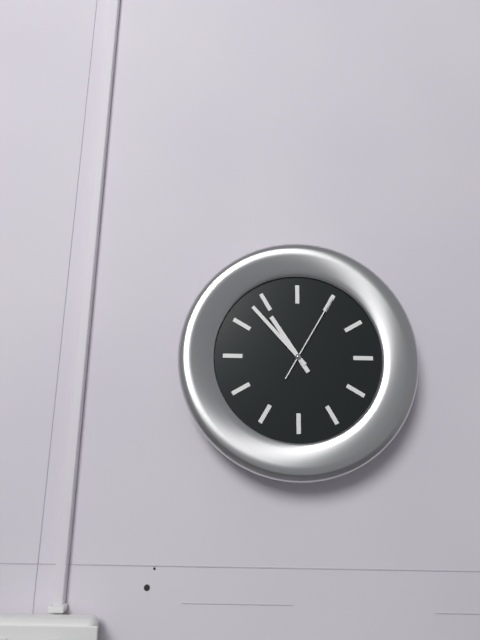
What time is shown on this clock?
10:53:05
